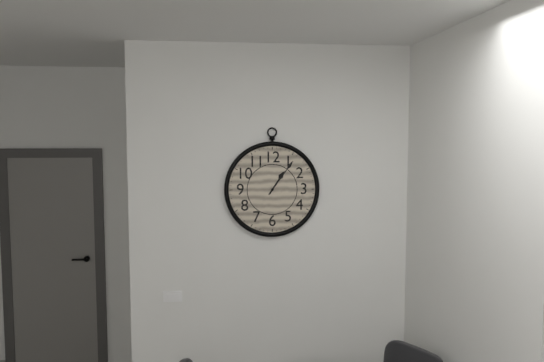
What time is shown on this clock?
1:06
